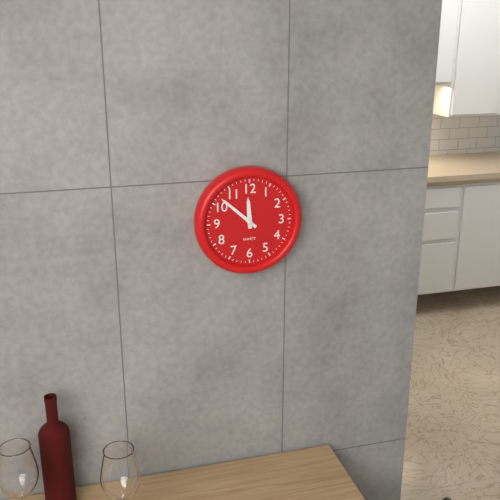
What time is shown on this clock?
11:52
